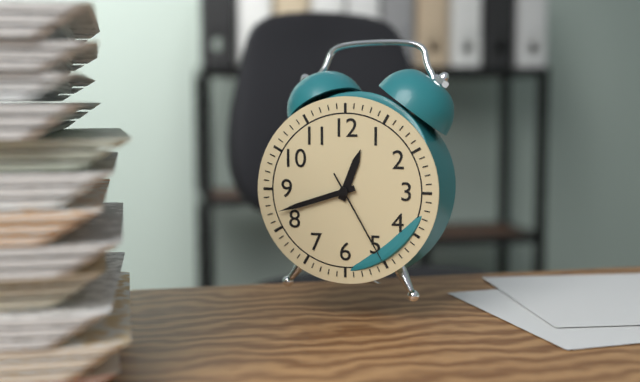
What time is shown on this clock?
12:42:25
